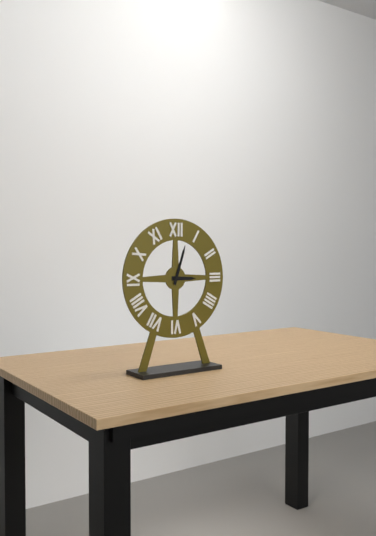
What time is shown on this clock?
3:03
